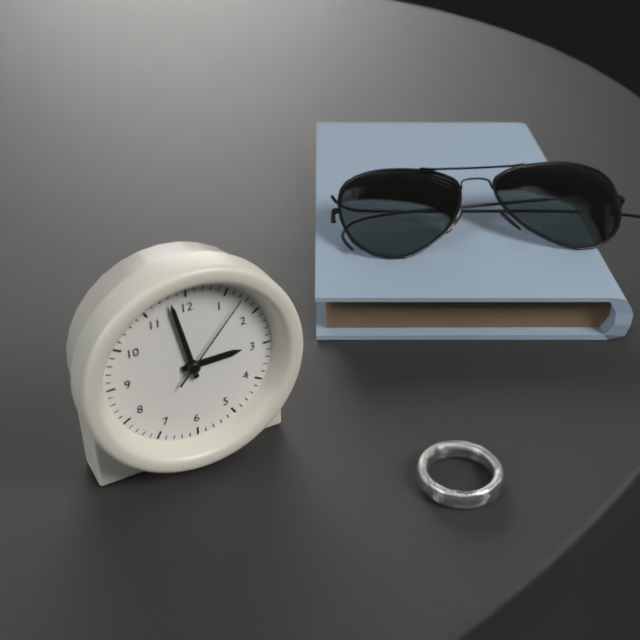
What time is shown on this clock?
2:58:07
